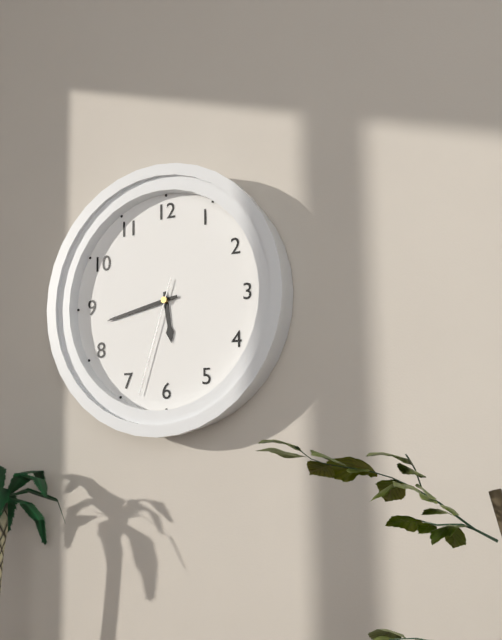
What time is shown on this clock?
5:43:33
